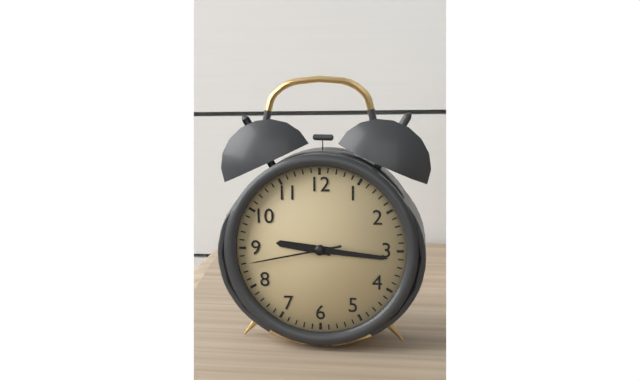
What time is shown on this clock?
9:16:43
